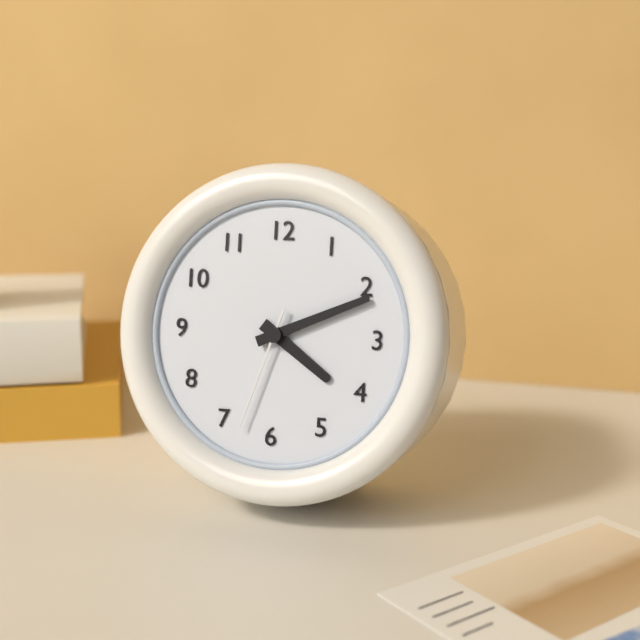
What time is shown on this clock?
4:11:33
